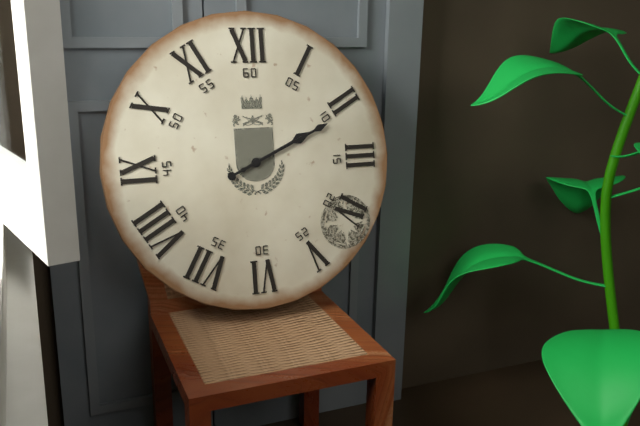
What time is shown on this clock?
2:11
